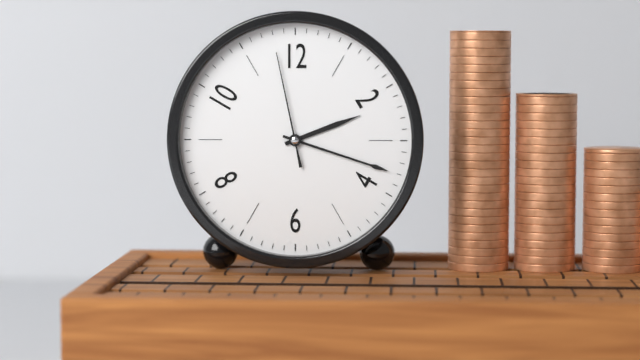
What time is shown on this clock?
2:18:58
